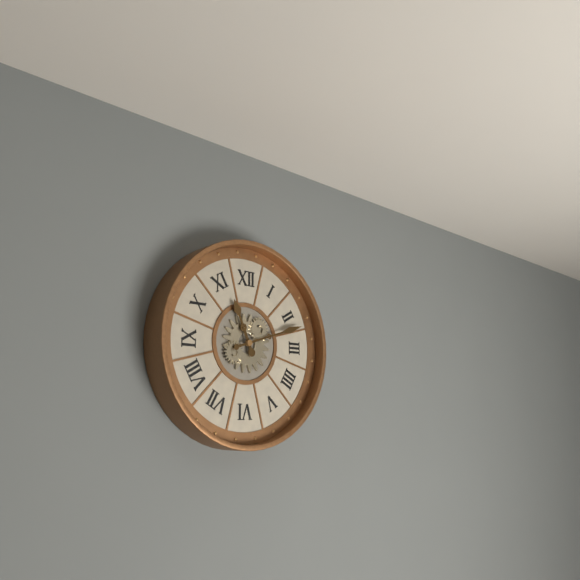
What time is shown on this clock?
11:12
